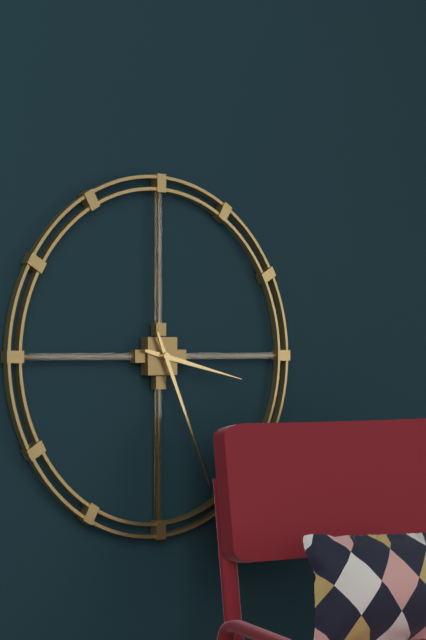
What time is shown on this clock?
3:26
